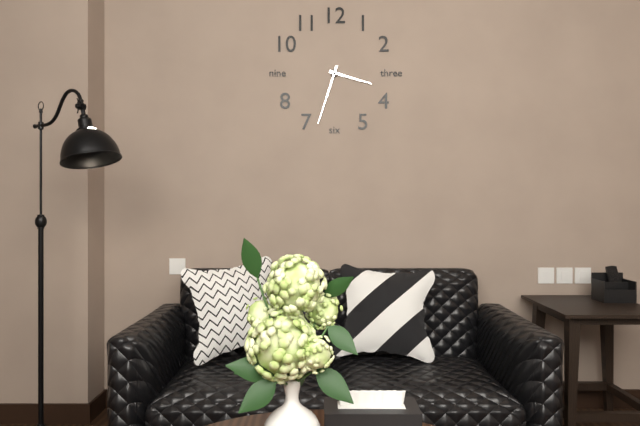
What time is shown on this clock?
3:33
